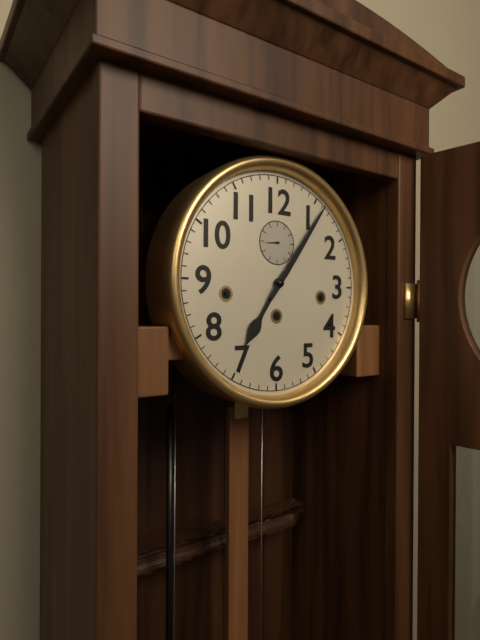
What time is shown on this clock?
7:06
